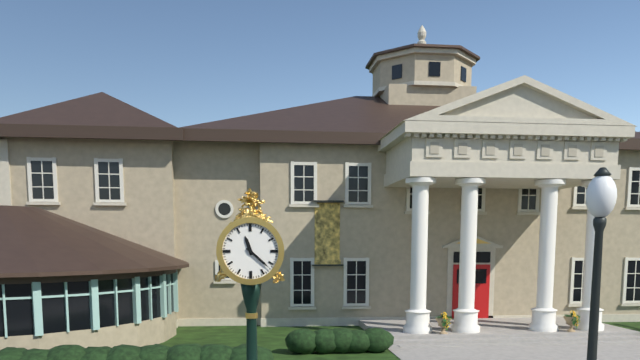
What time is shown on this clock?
11:22
